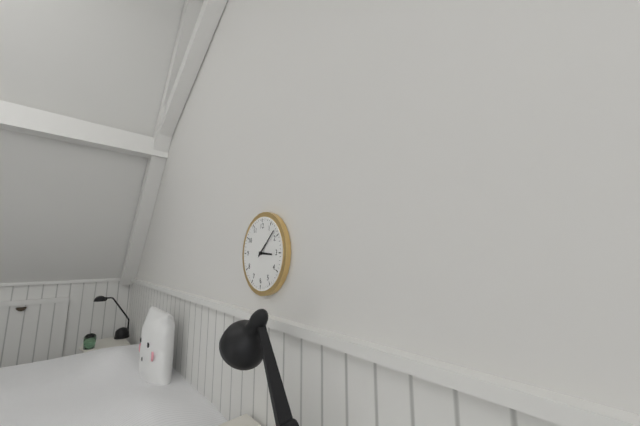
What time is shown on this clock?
3:08
